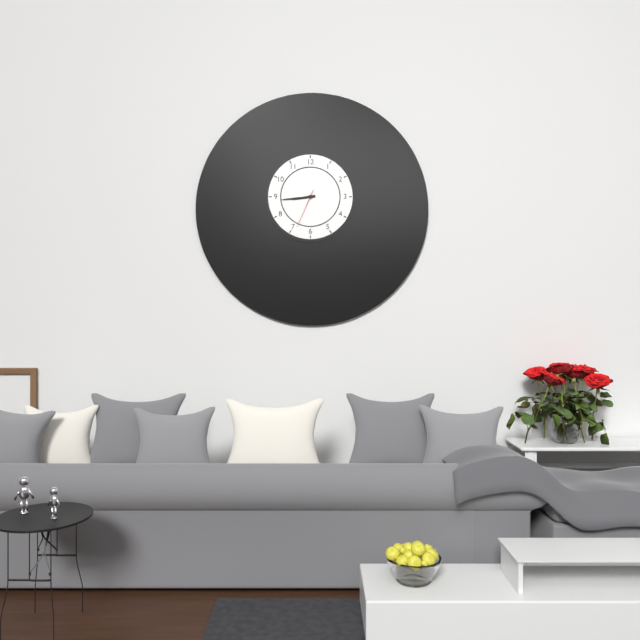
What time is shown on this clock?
8:44
